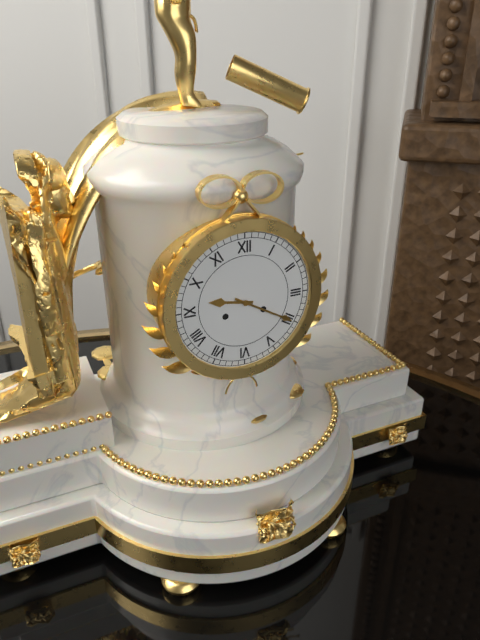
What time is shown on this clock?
9:20
